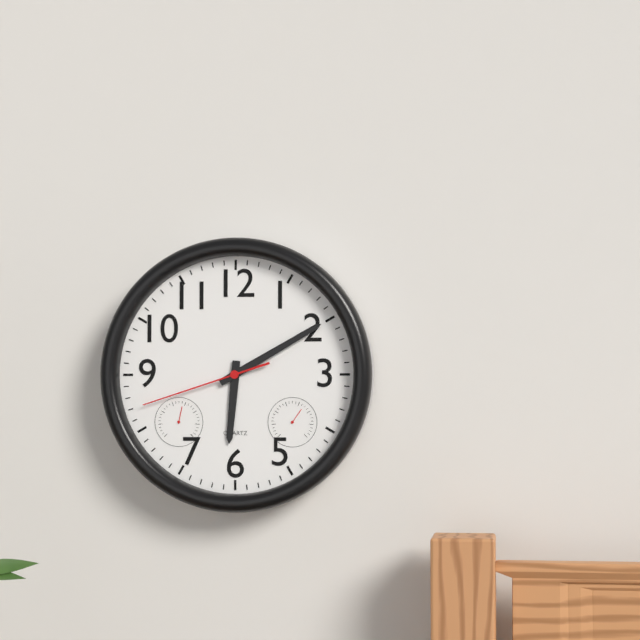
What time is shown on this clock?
6:10:42
